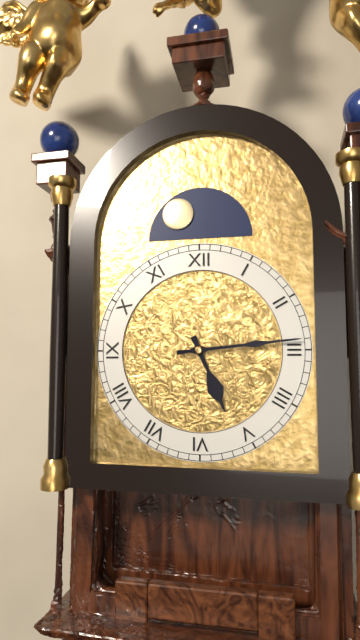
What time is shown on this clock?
5:14
